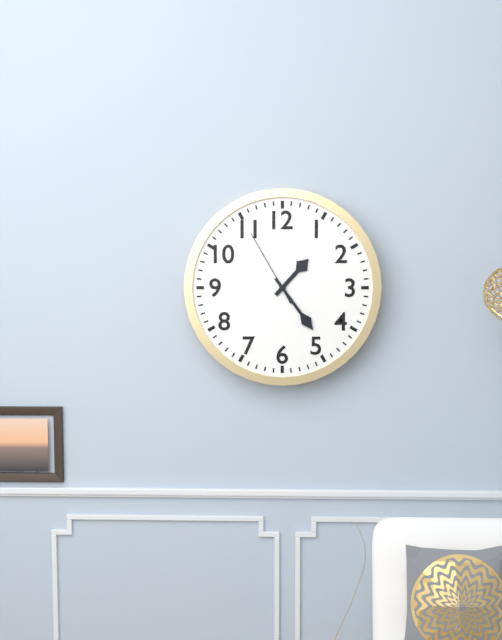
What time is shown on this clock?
1:24:55
